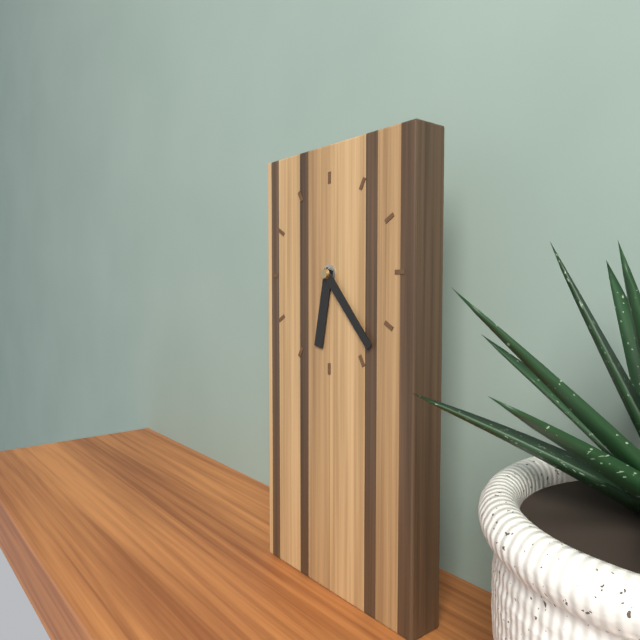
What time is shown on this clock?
6:23
